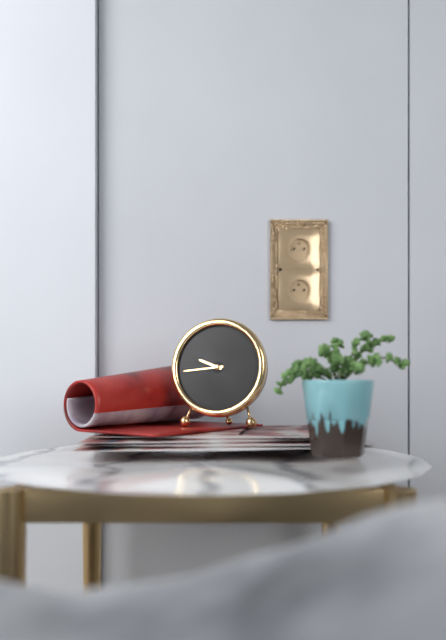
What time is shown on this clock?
9:44
